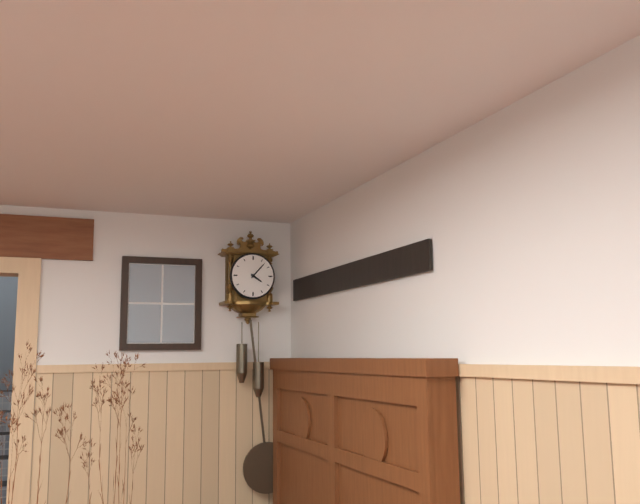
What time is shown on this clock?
4:07
